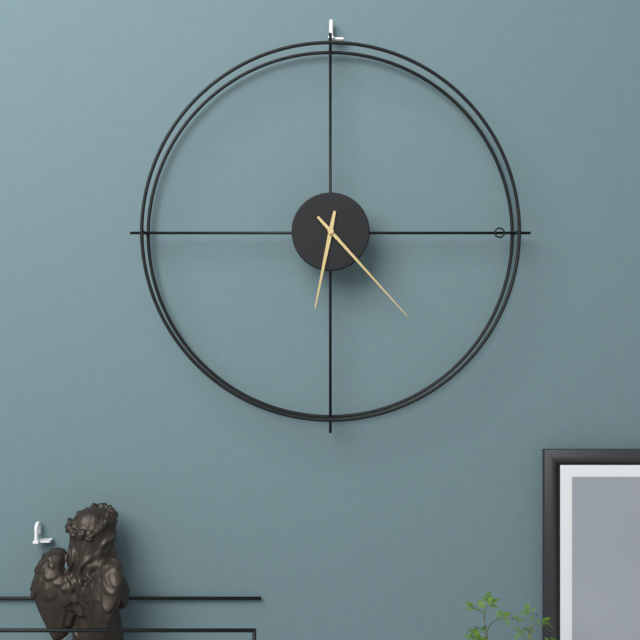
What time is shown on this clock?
6:23
